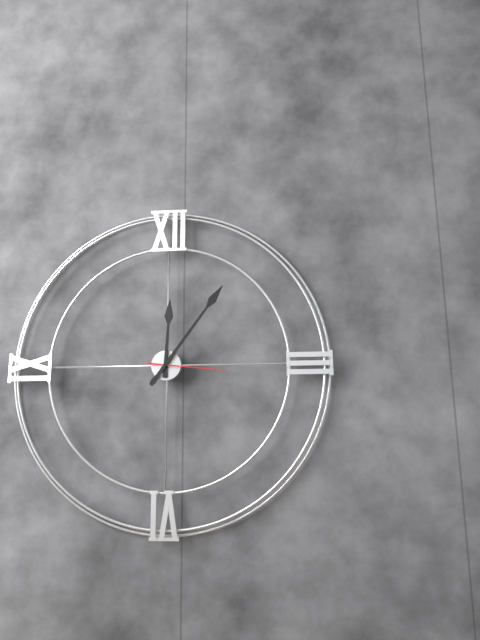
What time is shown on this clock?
12:06:16
